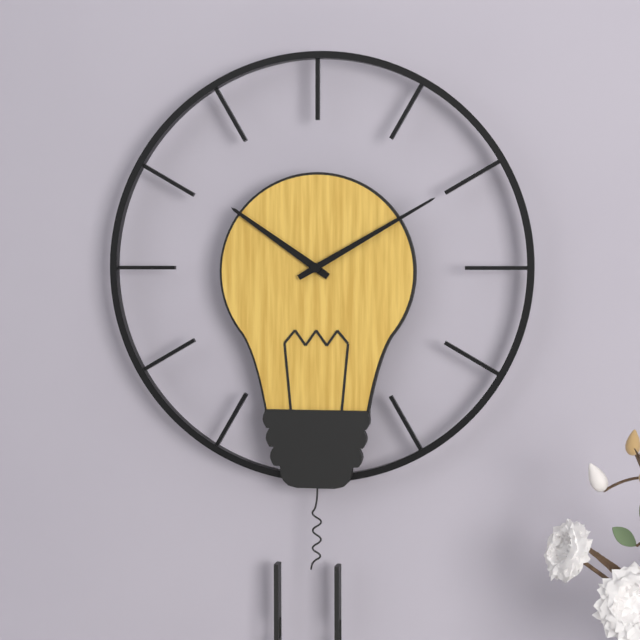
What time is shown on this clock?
10:10
